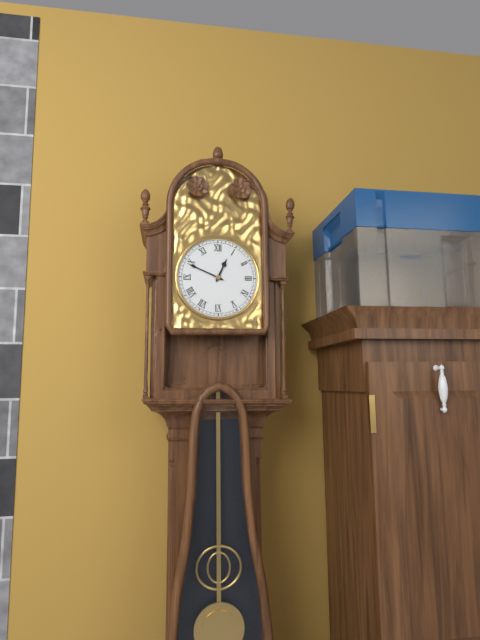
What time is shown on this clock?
12:49
